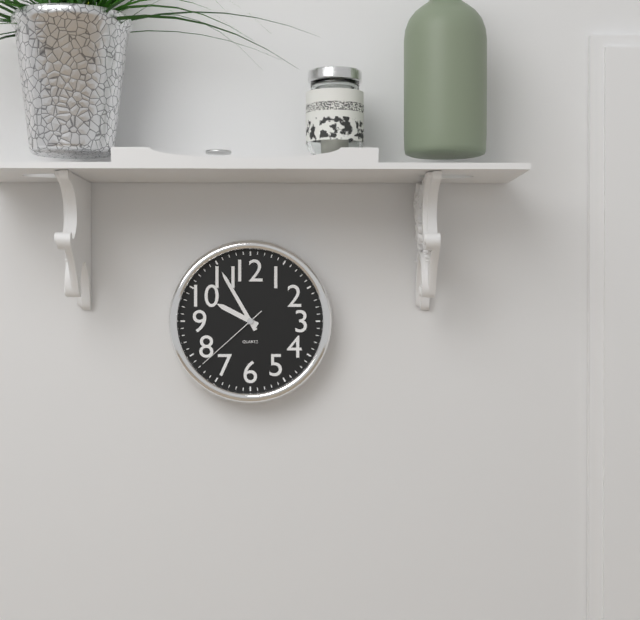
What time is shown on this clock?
9:55:38
